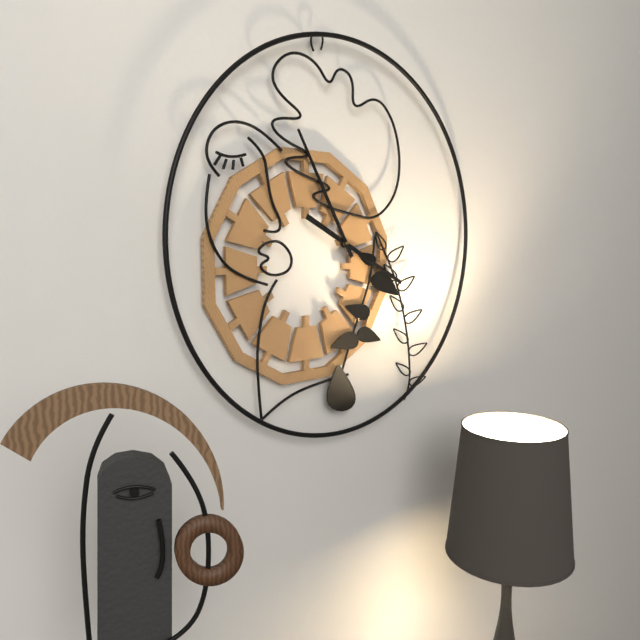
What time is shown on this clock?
3:55
